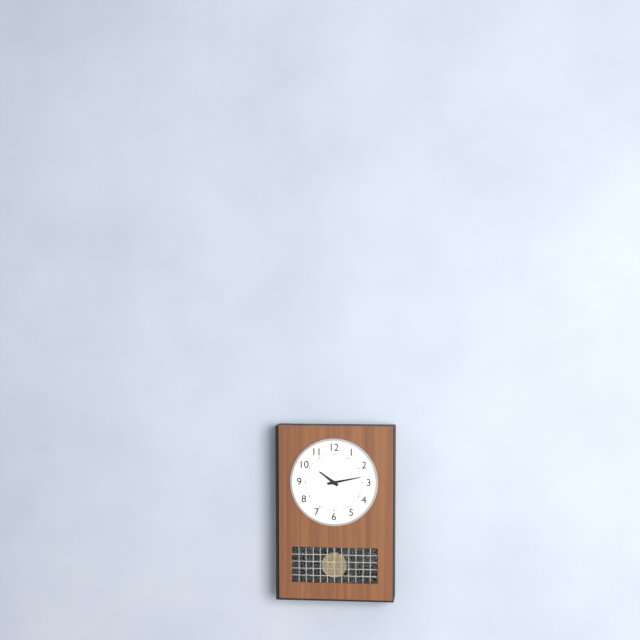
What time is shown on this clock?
10:13
